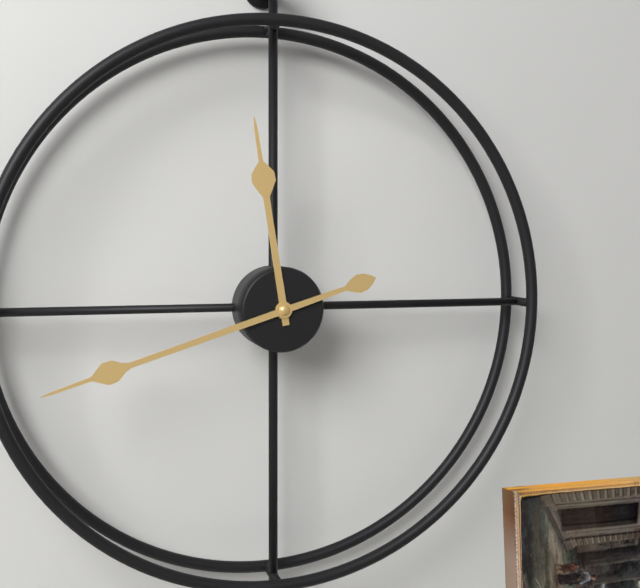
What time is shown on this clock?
11:42
